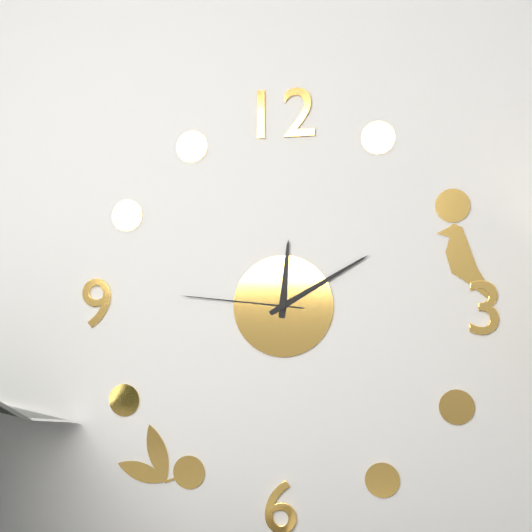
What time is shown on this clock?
12:10:46
